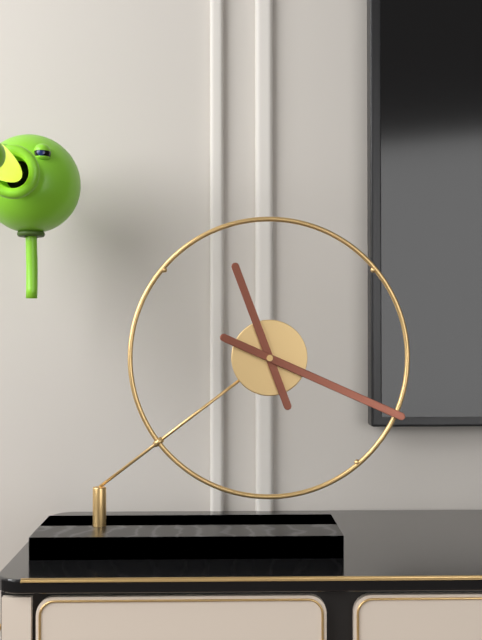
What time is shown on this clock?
11:19
